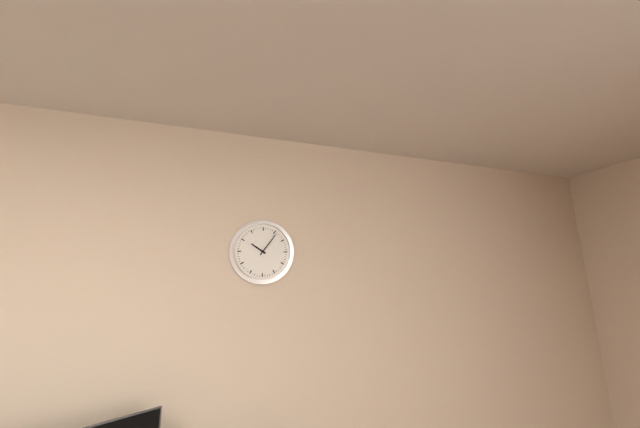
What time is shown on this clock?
10:06
